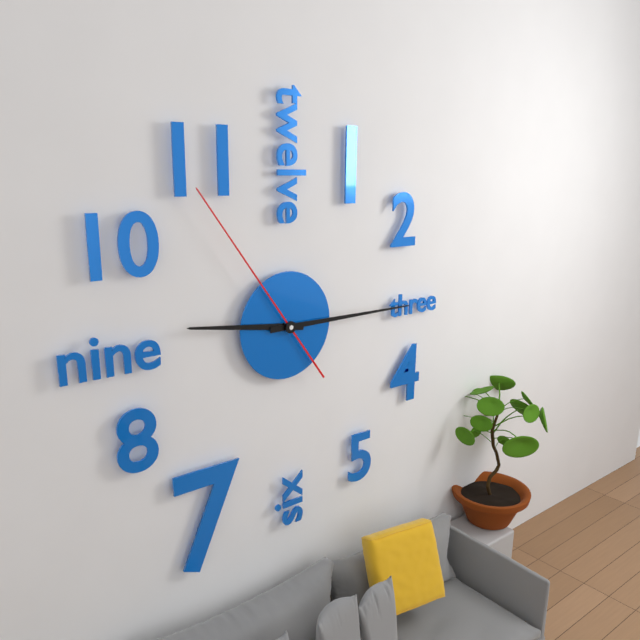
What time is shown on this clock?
9:15:54
